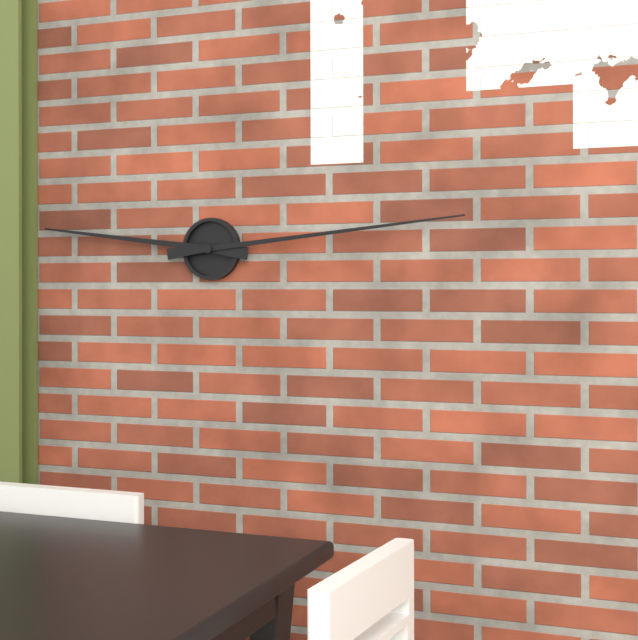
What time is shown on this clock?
9:14
